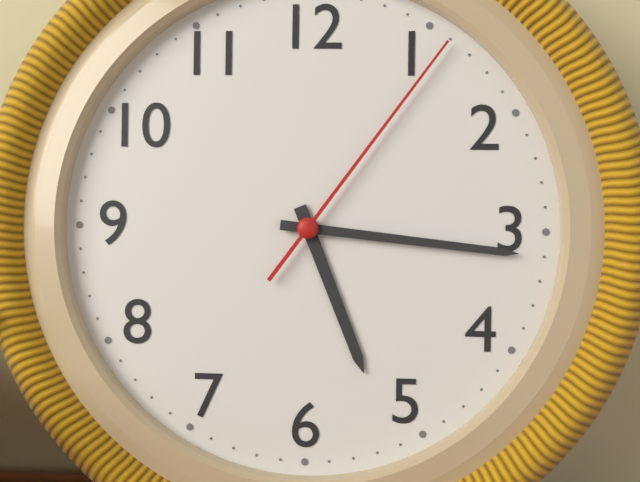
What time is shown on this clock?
5:16:06
